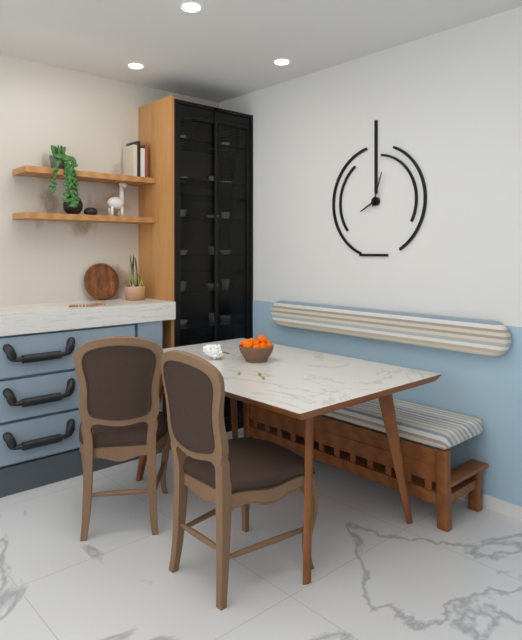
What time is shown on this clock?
8:03
